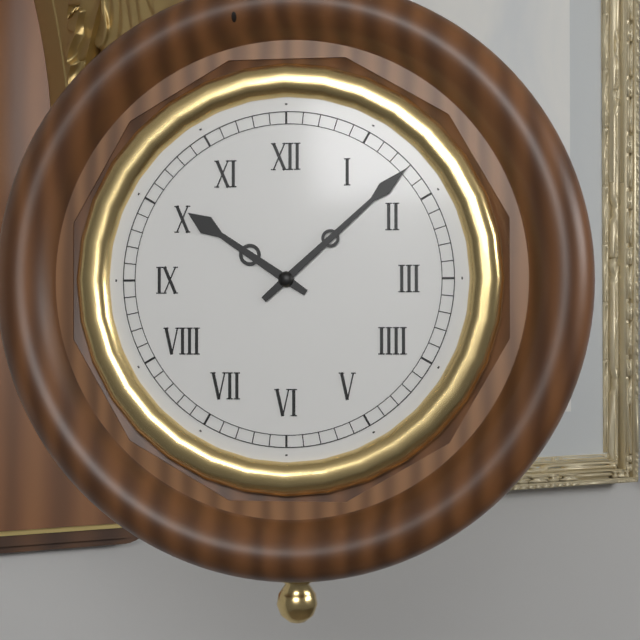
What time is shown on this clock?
10:08
